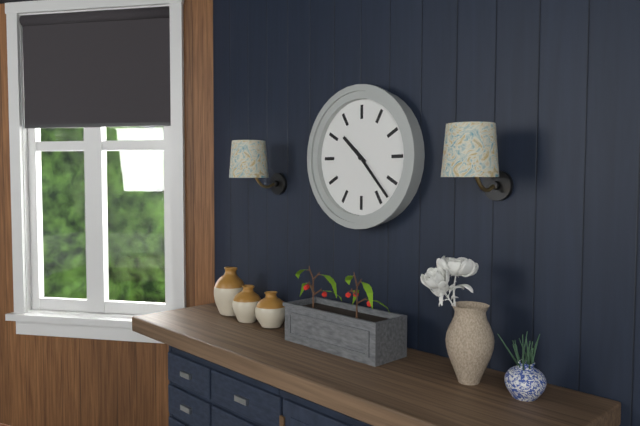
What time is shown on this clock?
10:23
